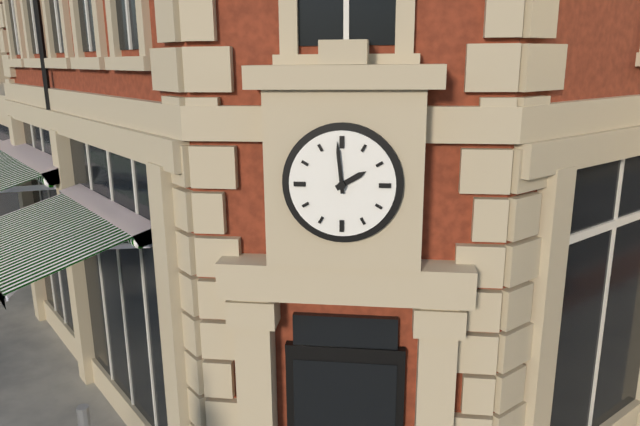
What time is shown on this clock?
1:59
